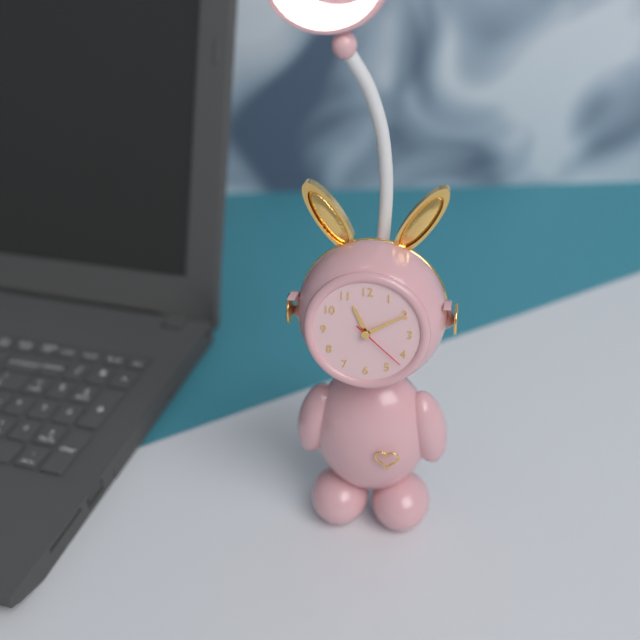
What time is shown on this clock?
11:10:22
